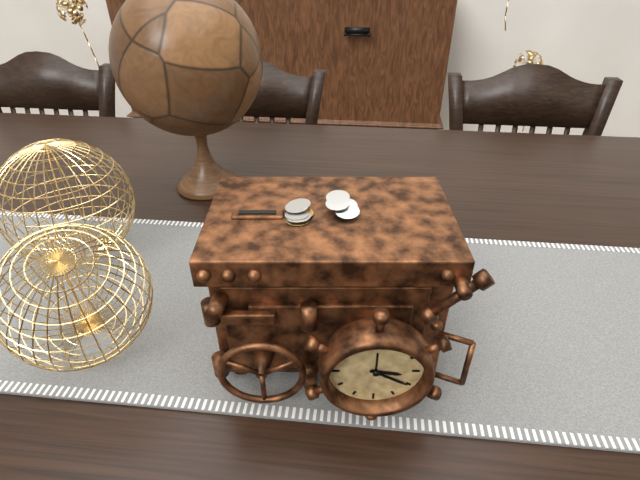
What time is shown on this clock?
3:20
